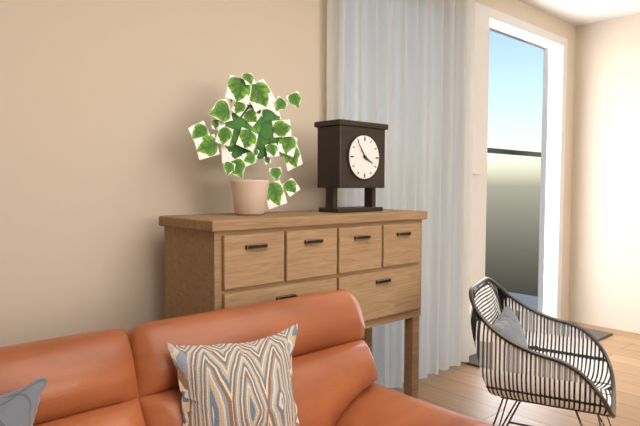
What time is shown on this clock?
3:54
